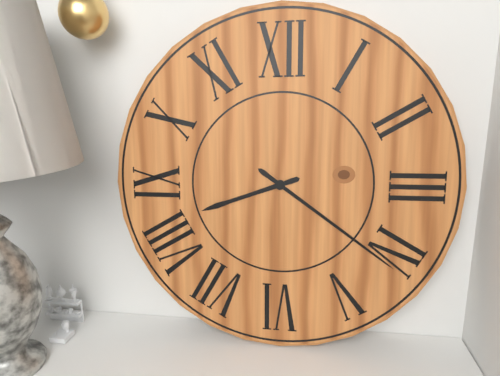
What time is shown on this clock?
8:21
